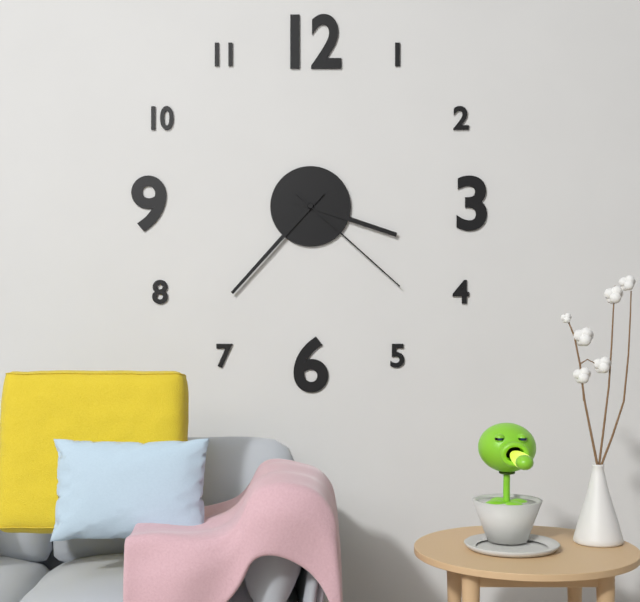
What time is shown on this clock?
3:37:22
